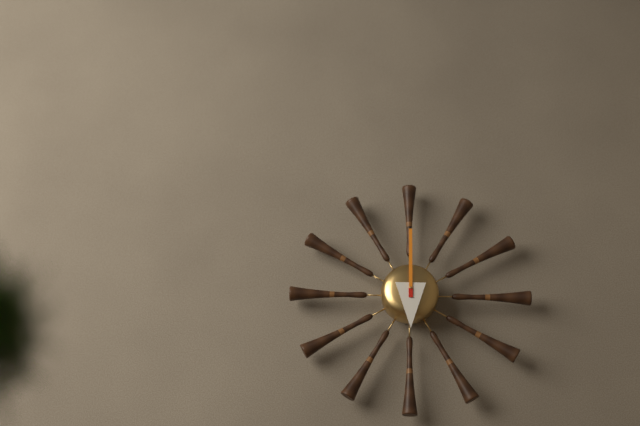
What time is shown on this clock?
6:00
